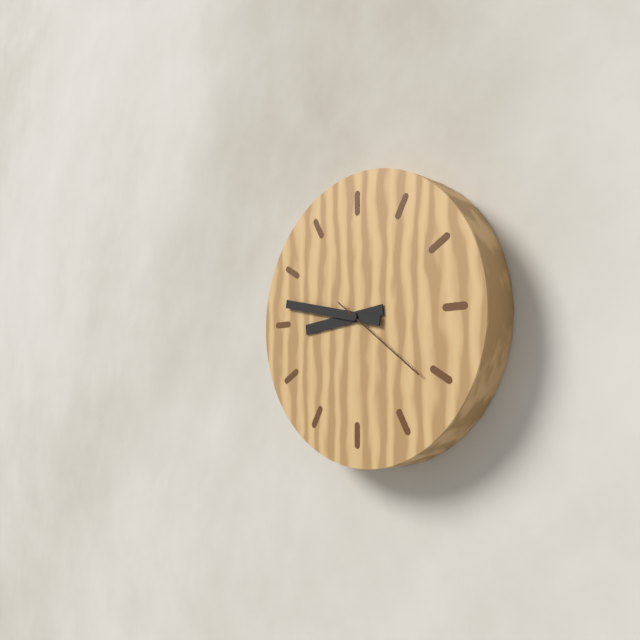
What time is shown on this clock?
8:47:21
